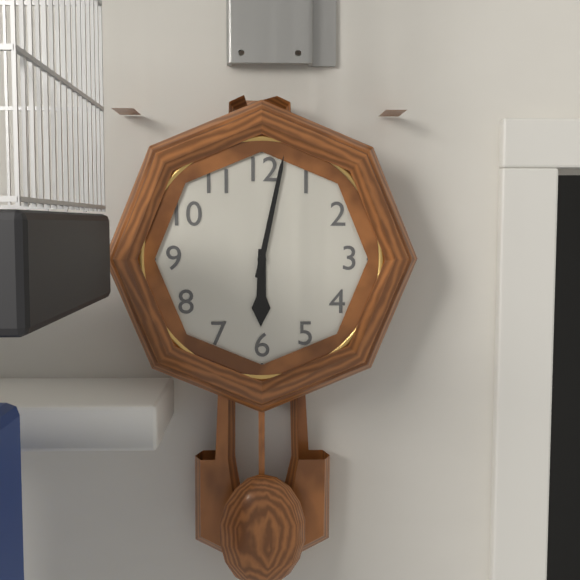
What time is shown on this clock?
6:02
